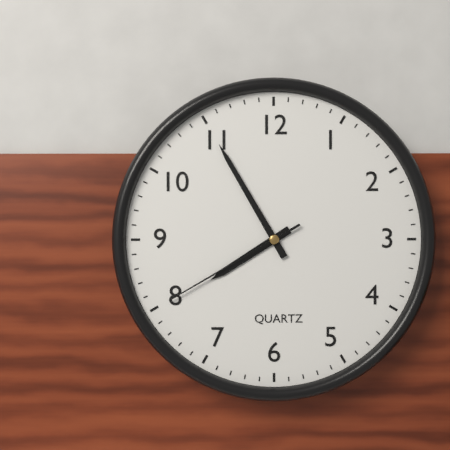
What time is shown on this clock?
7:55:40
